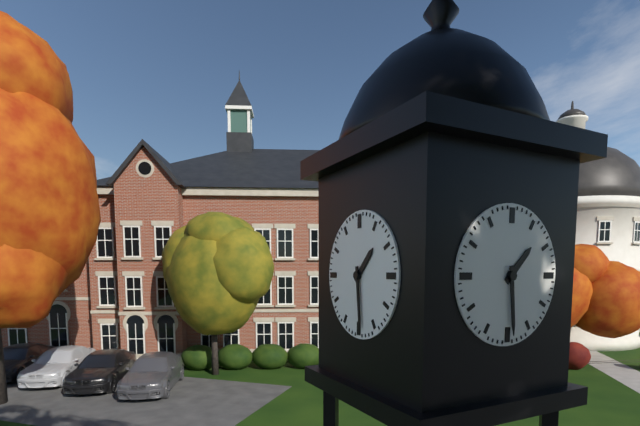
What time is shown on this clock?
1:29
